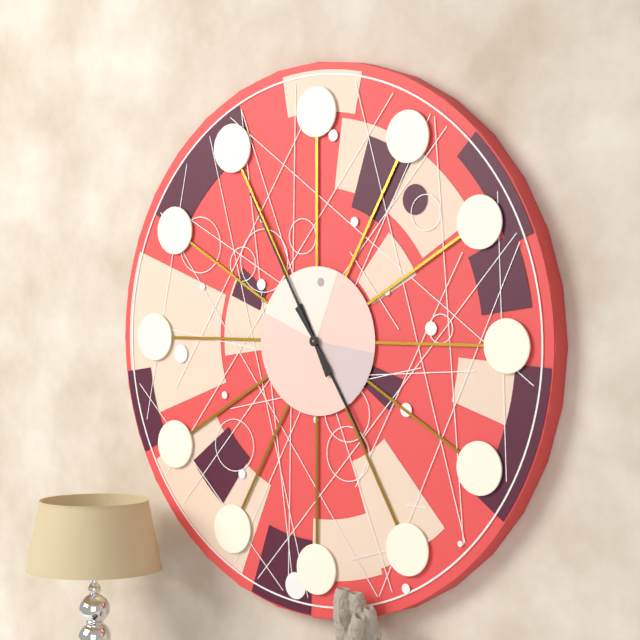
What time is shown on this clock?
4:55
